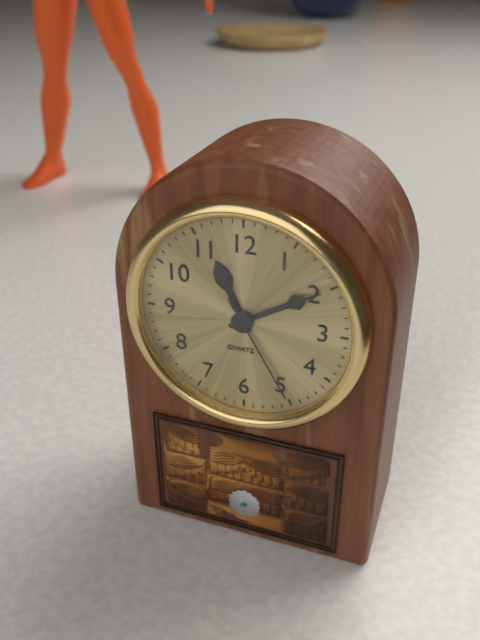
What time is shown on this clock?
11:10:25
